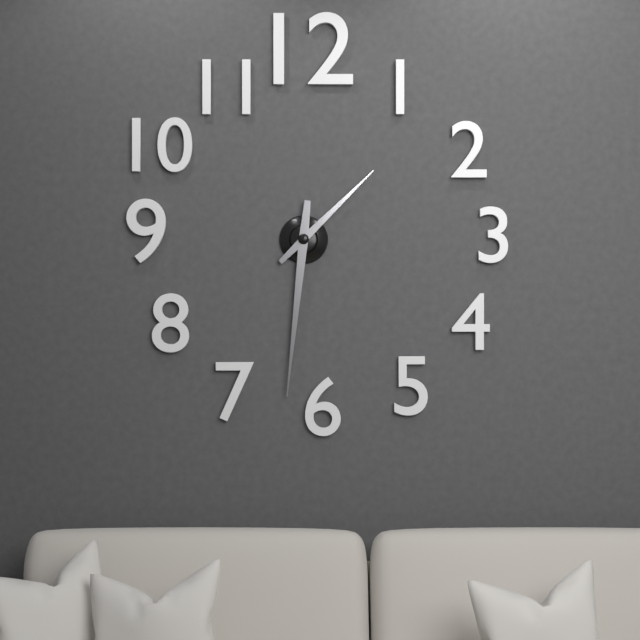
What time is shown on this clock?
1:31
